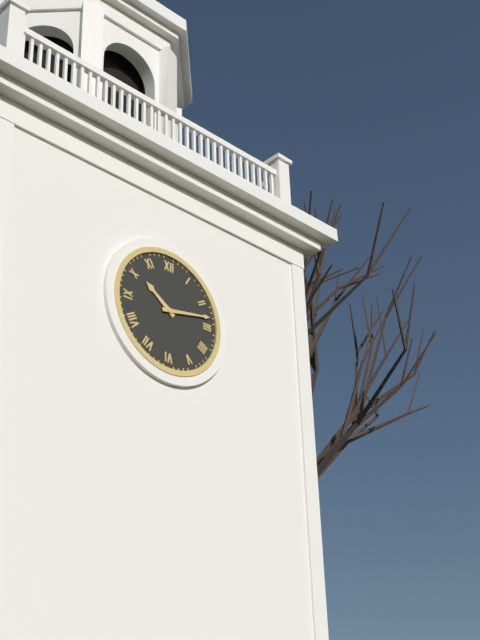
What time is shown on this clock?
10:13
